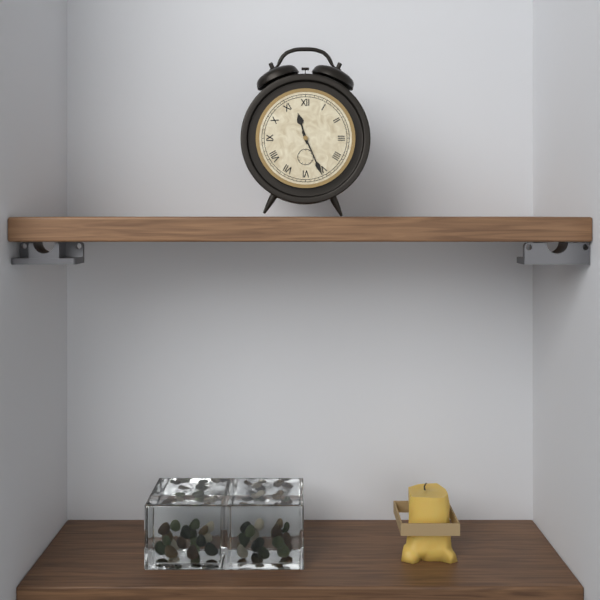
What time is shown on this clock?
11:26
